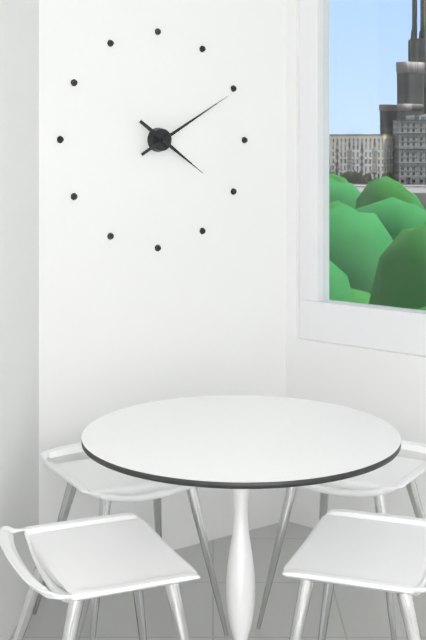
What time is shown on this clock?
4:10
